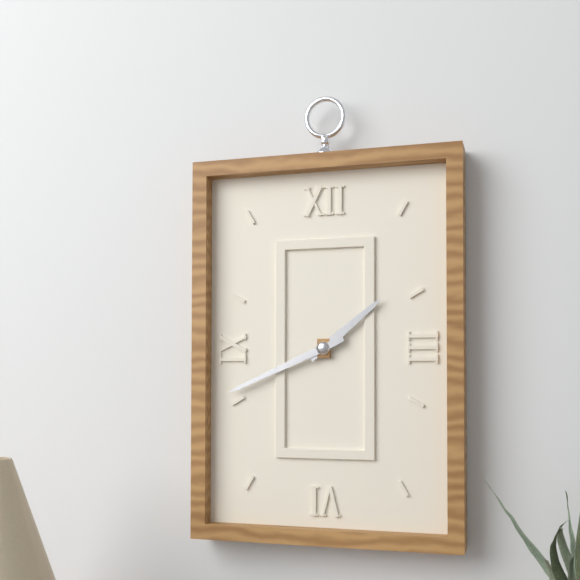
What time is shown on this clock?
1:41
